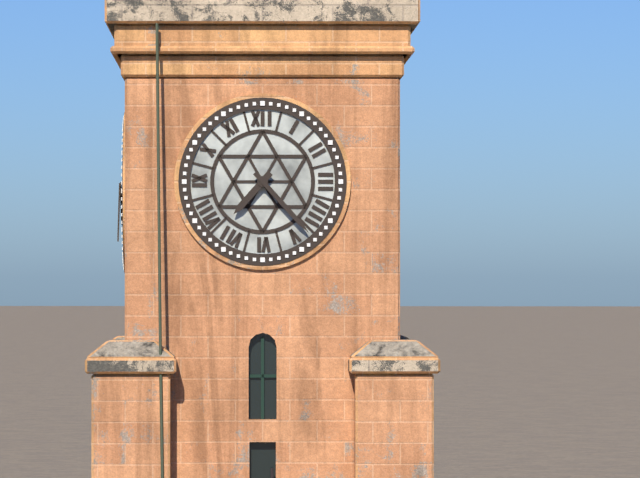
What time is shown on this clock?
7:23
